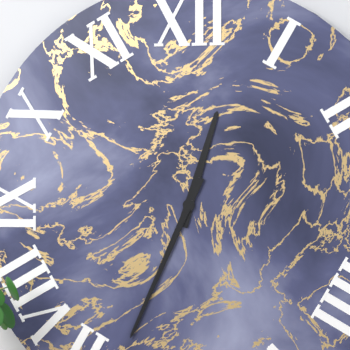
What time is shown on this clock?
12:34
